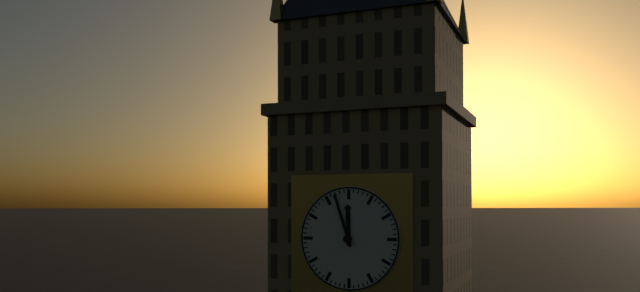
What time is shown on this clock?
11:57
